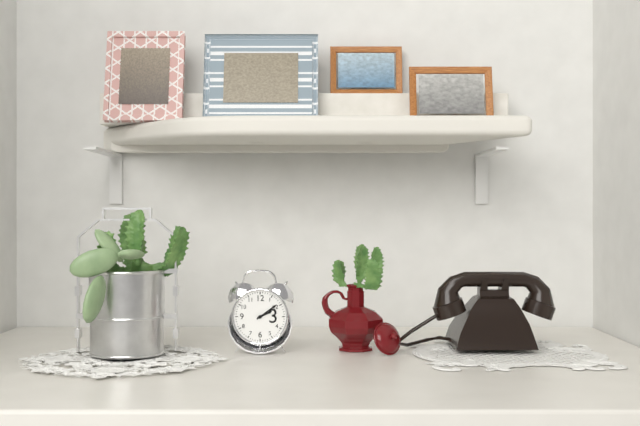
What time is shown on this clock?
2:09
